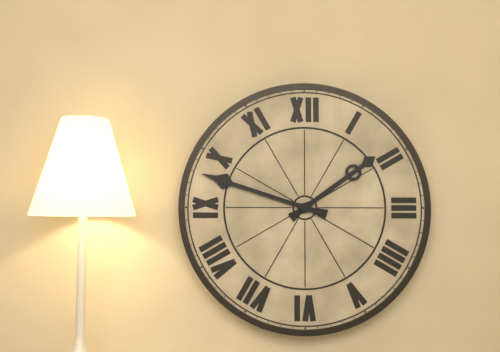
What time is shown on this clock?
1:48
